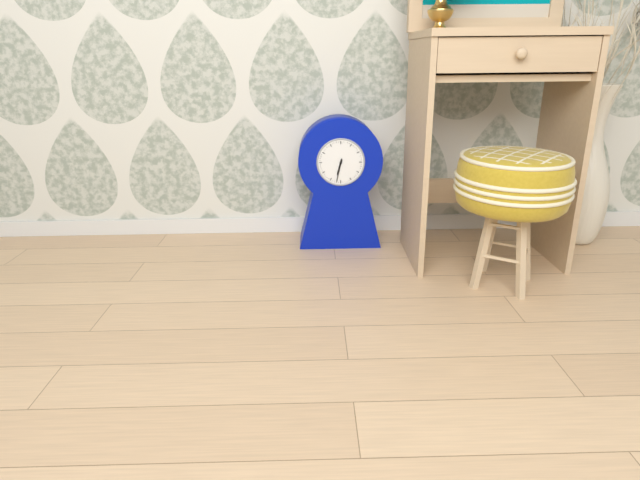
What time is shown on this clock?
6:32
